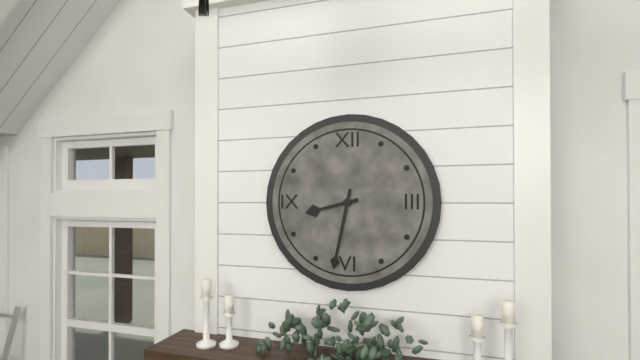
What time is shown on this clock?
8:32
